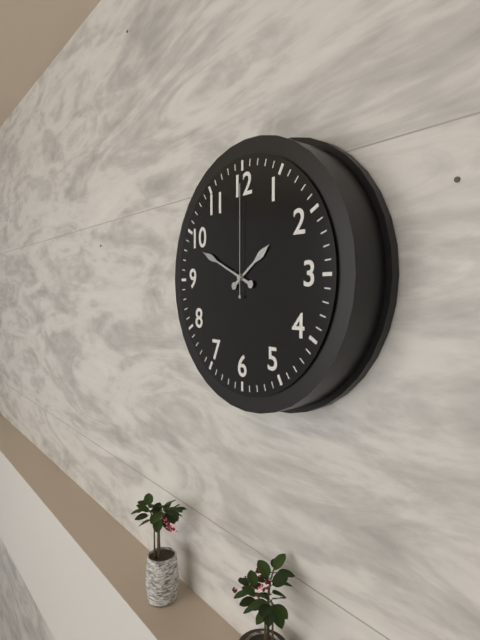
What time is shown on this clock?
1:49:00
